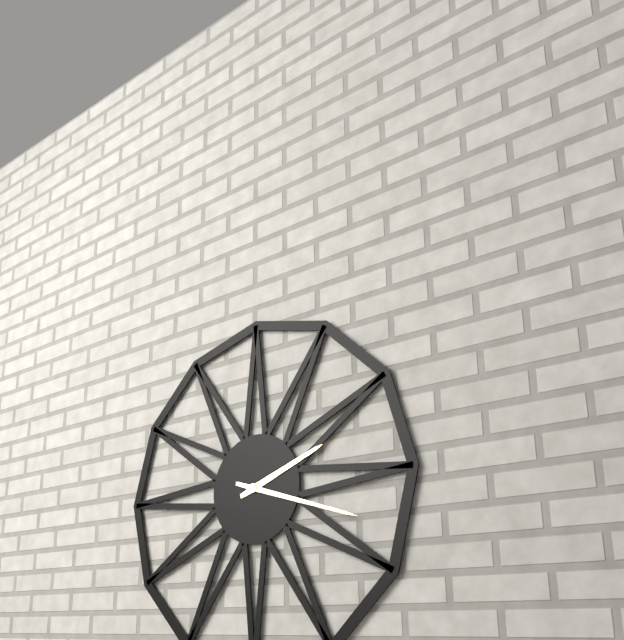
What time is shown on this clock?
2:18
